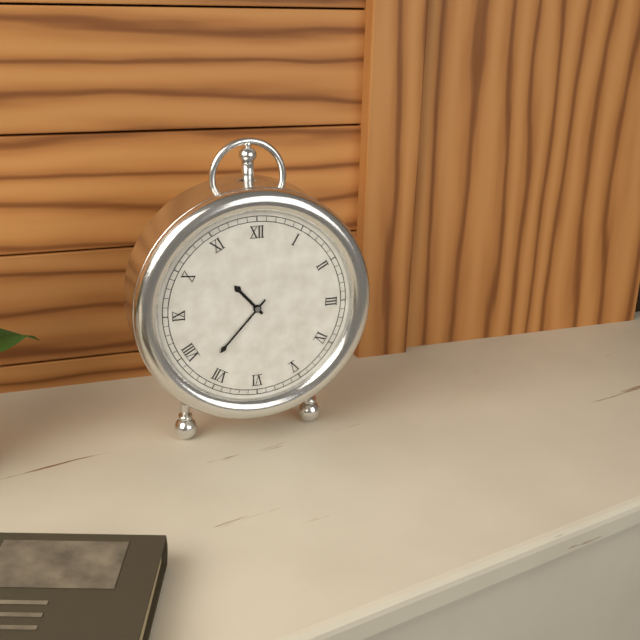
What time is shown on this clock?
10:37
